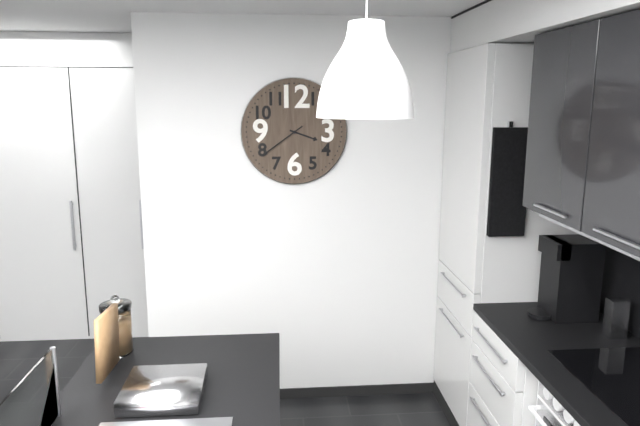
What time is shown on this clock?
3:39
